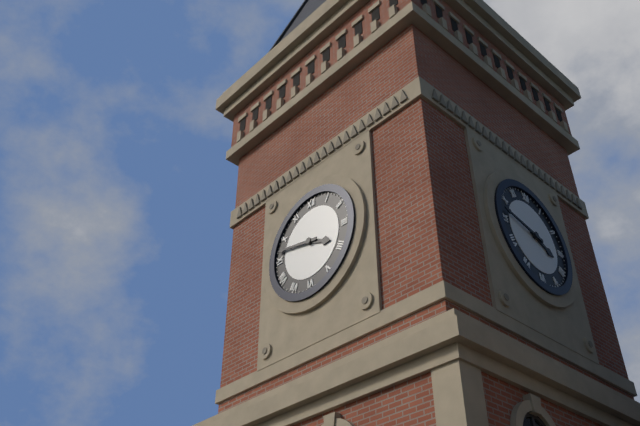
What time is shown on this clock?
3:47
